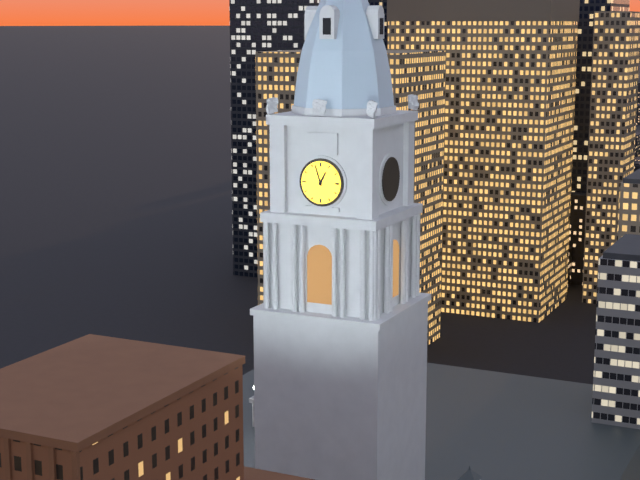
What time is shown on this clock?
12:57
